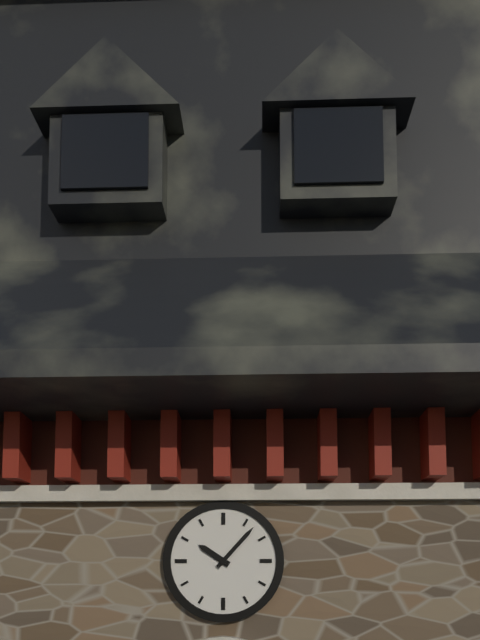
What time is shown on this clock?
10:07
